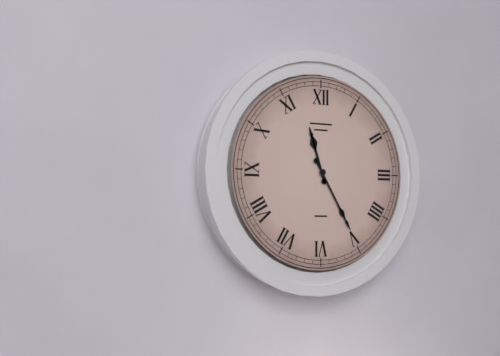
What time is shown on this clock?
11:25
